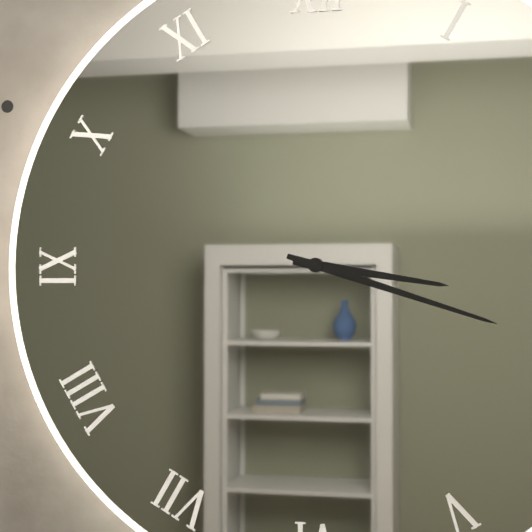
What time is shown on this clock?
3:18
